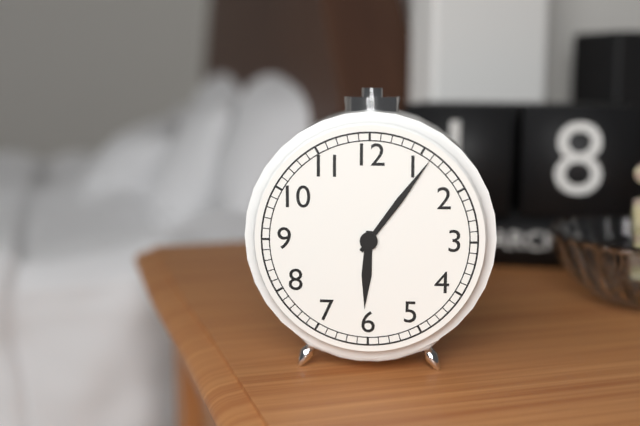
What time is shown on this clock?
6:06
